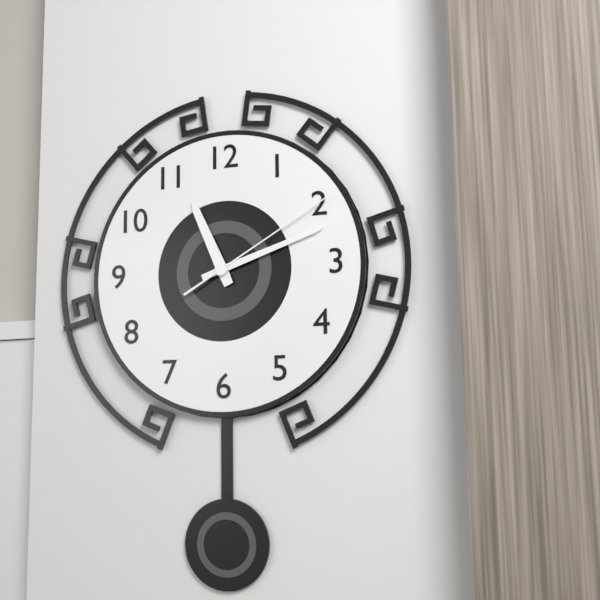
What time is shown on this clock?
11:12:10
